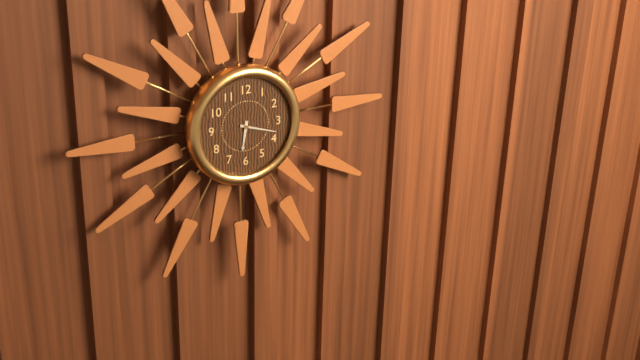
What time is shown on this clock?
6:18
